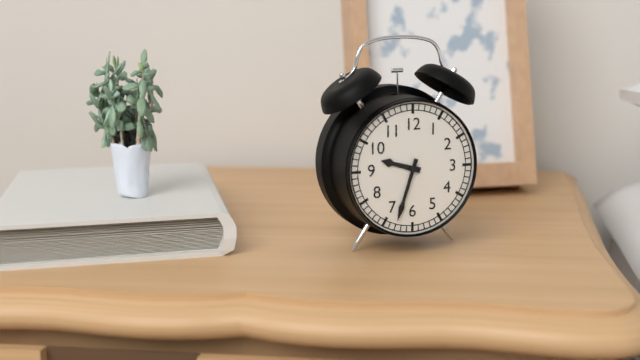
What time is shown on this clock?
9:33
